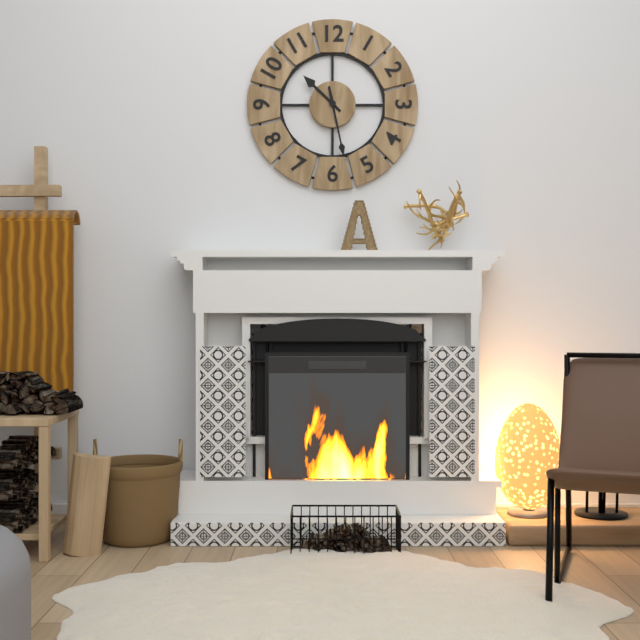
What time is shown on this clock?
10:28
